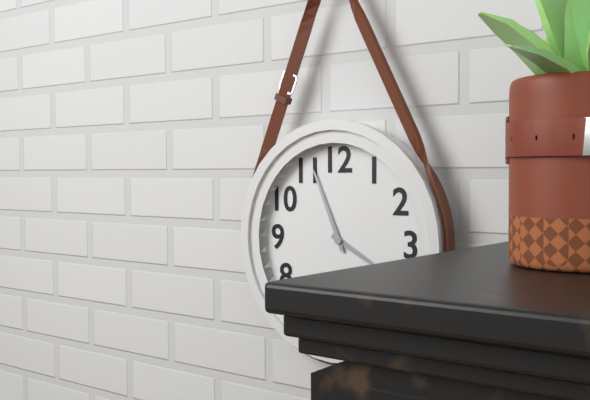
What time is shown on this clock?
3:56
